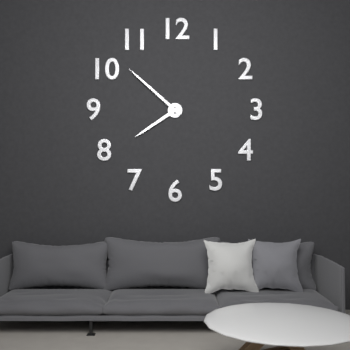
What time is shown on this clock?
7:52
